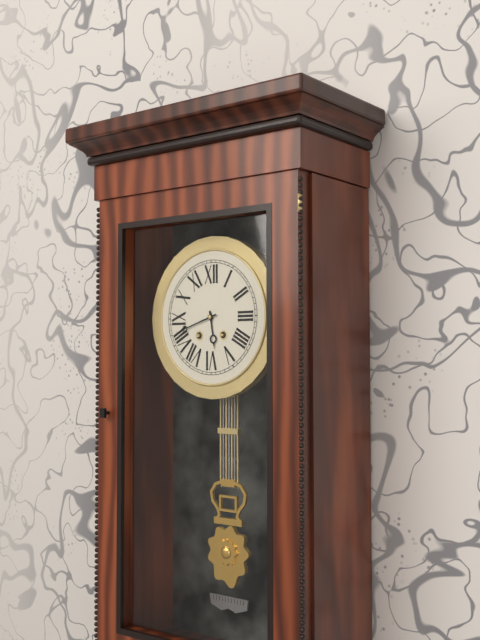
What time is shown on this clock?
5:42
